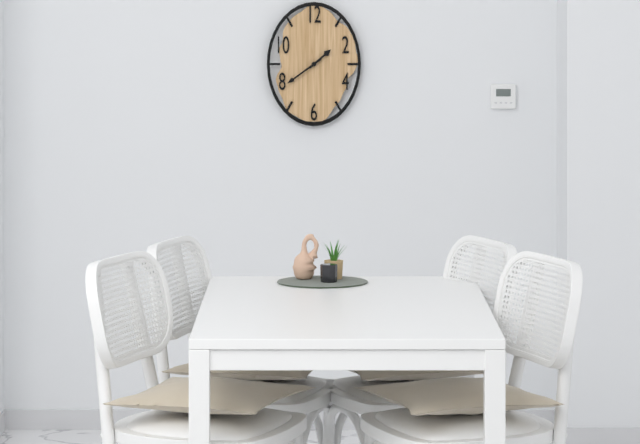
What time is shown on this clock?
1:39
